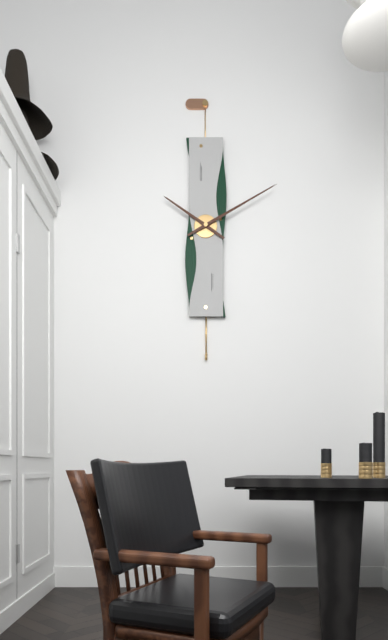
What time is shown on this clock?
10:10
